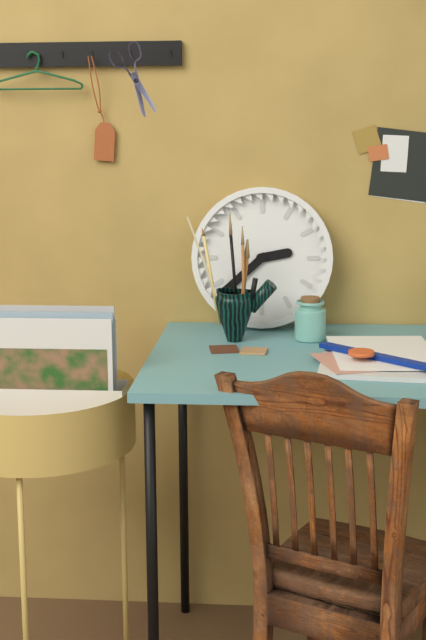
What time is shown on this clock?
2:38
